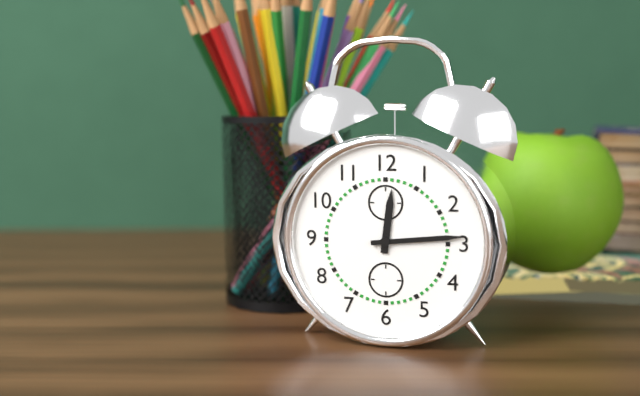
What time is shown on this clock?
12:14
